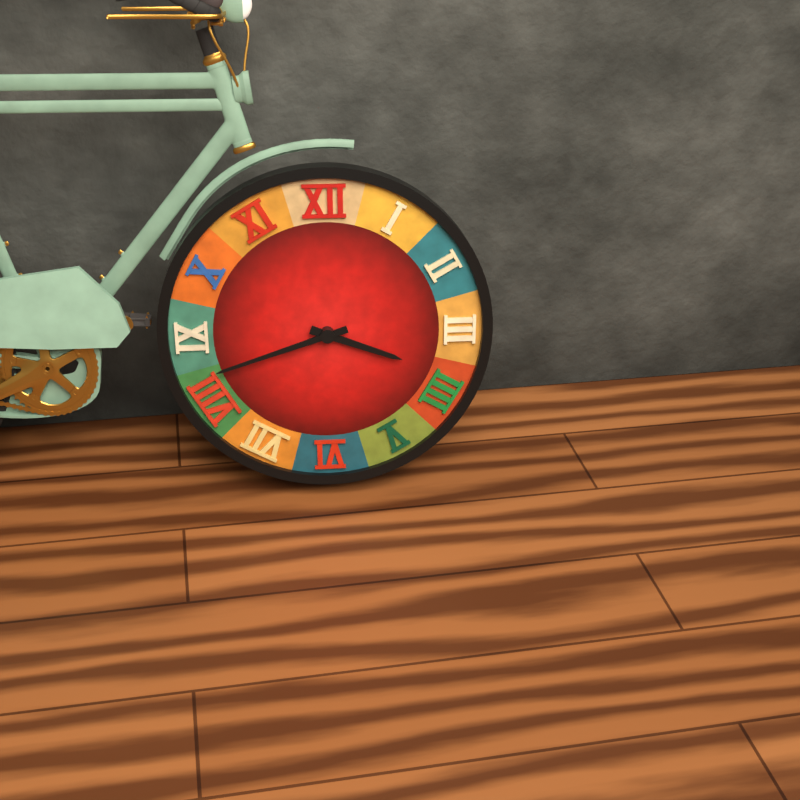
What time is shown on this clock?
3:42
